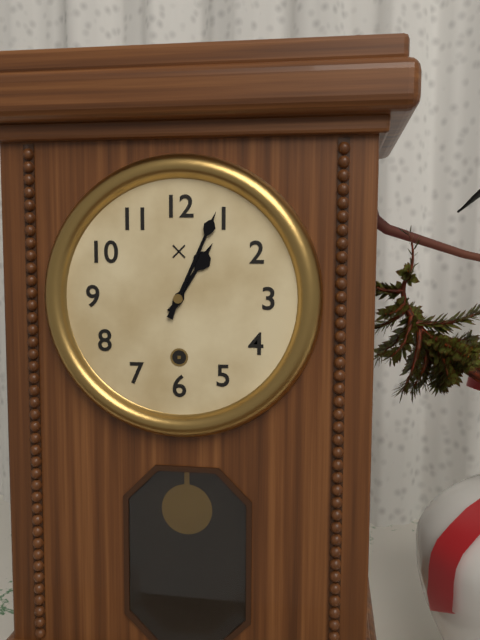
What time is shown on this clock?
1:04
